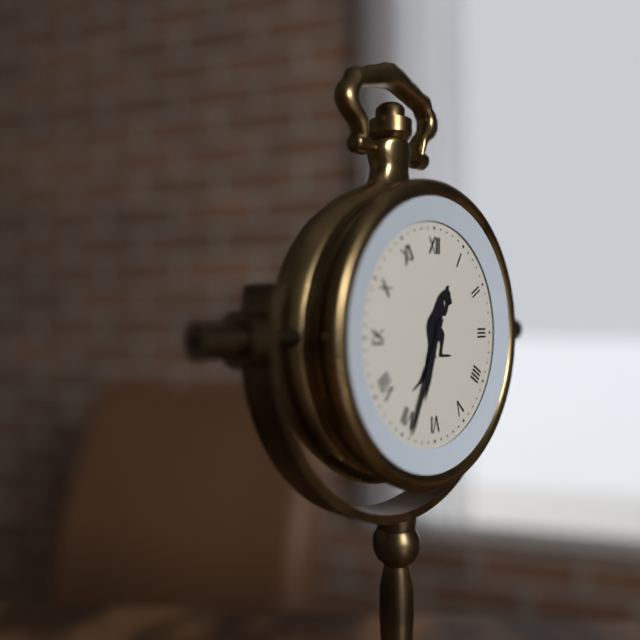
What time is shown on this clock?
6:34
